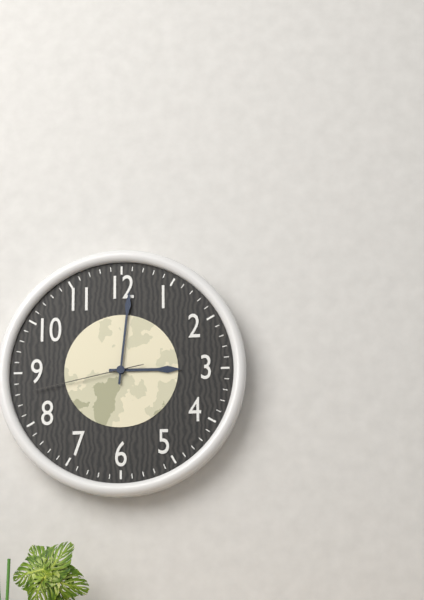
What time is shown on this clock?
3:01:43
